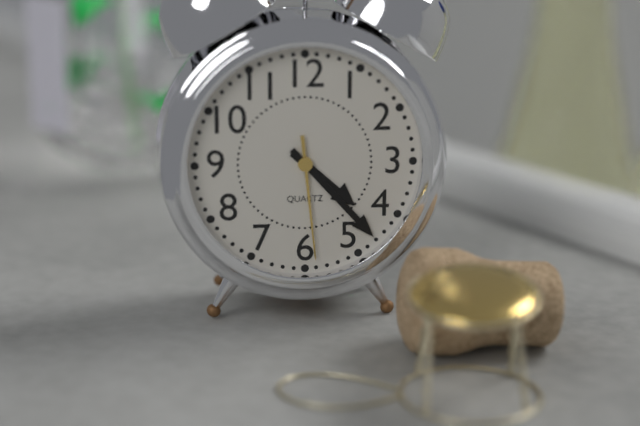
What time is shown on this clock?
4:23:29
